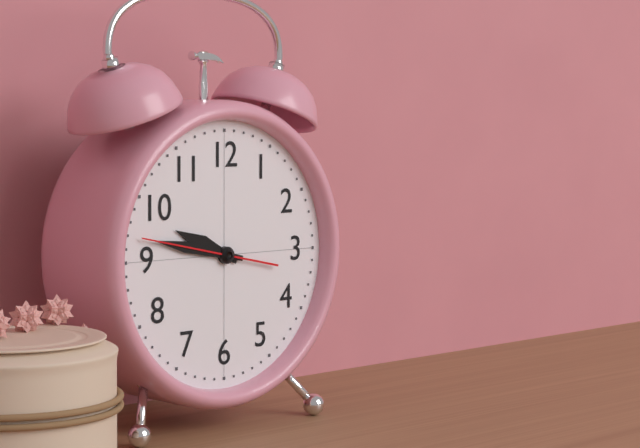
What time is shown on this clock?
9:47:47
